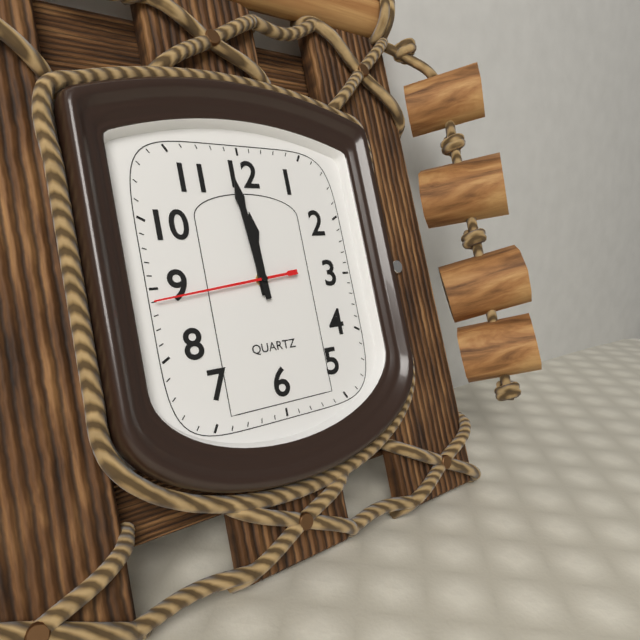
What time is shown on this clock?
11:59:44
